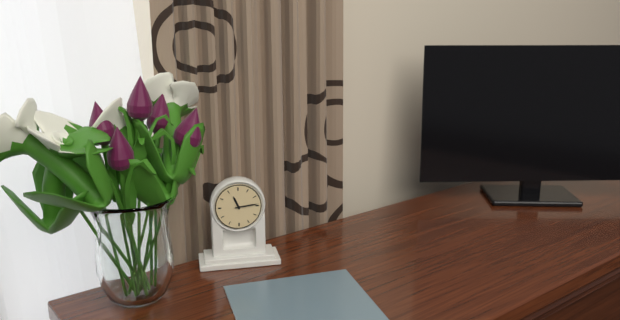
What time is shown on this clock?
11:14
